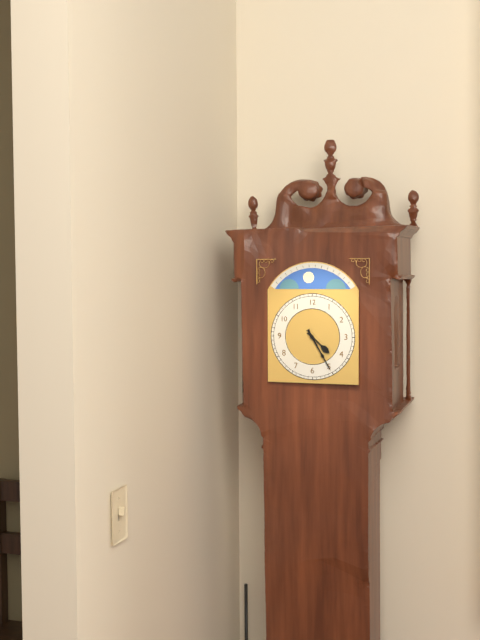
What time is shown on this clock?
4:25
